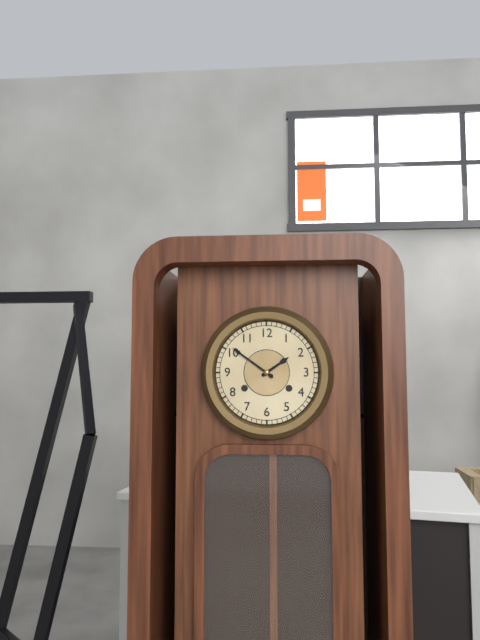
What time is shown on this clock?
1:51
